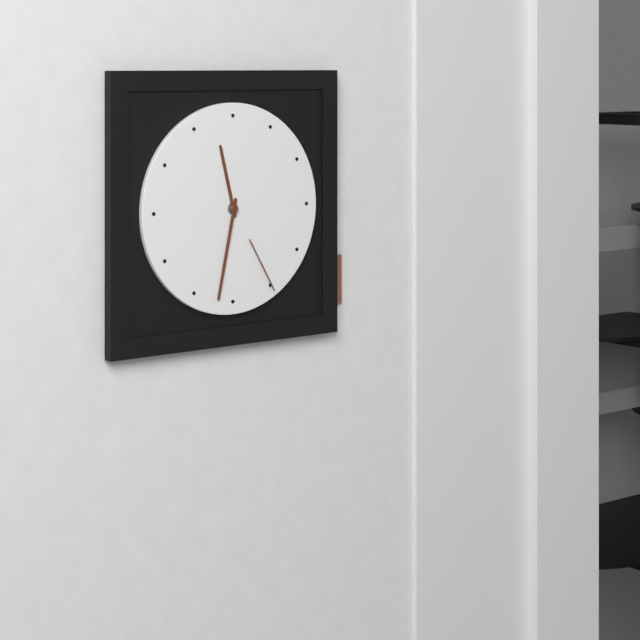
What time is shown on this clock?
11:32:25
